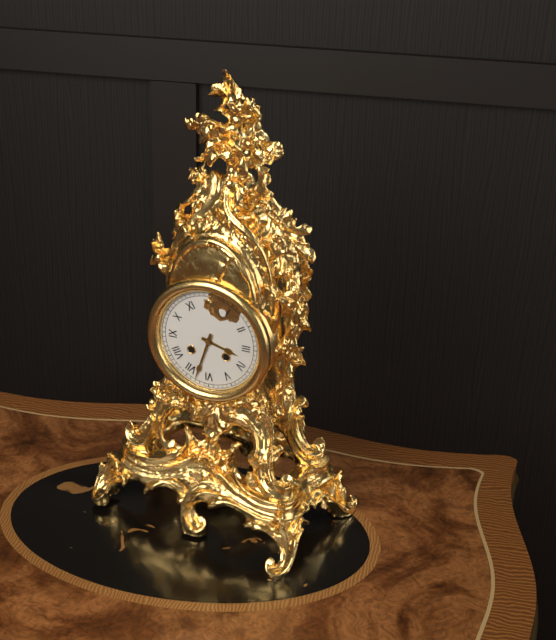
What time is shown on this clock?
3:33
